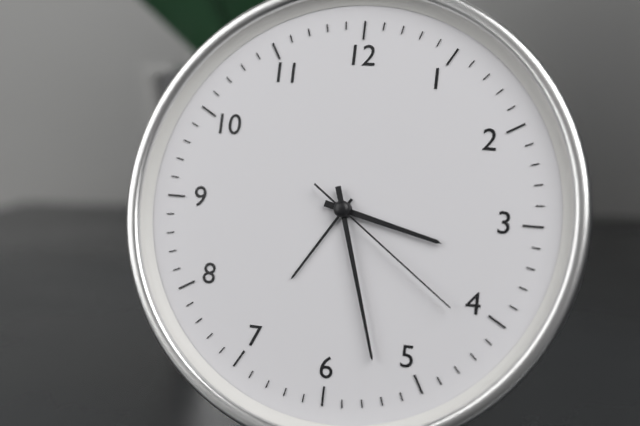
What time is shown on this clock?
3:27:21
